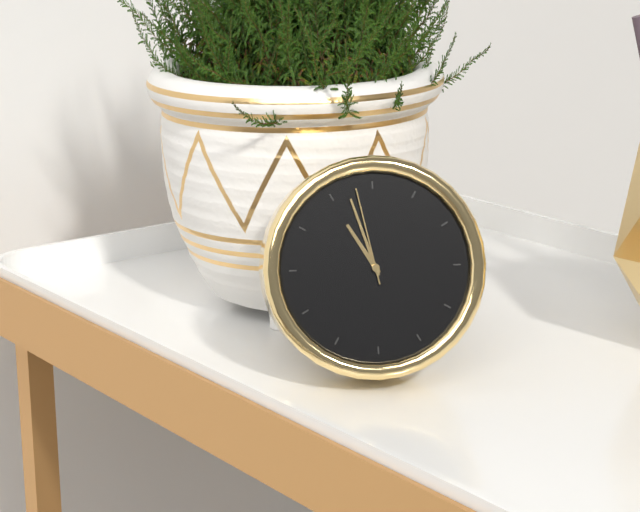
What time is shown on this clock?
10:57:58
